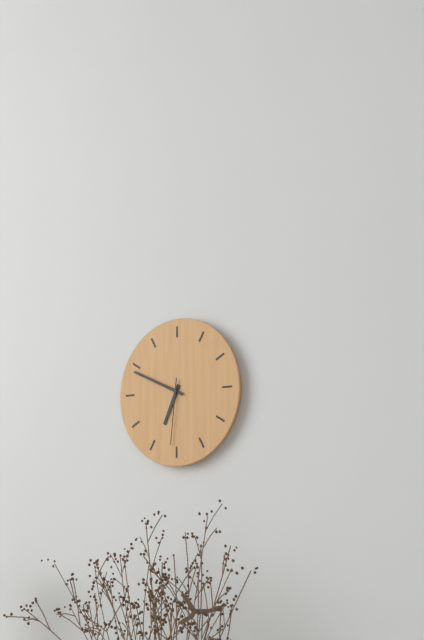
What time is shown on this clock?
6:49:31
